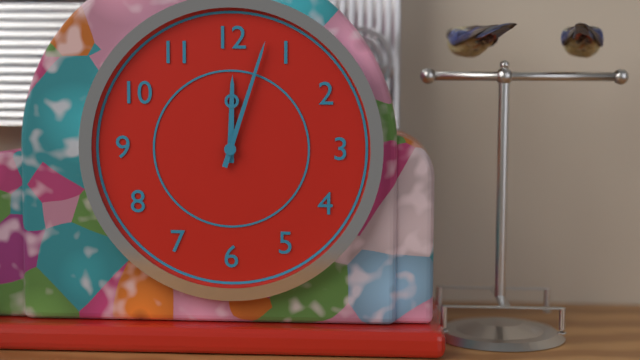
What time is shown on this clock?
12:03
